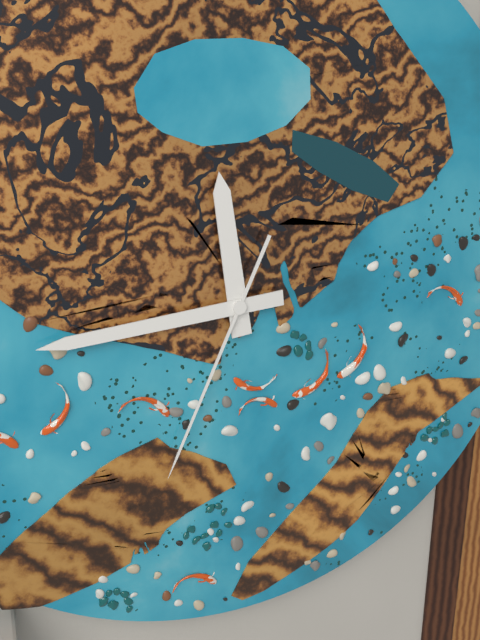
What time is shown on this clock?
11:44:34
